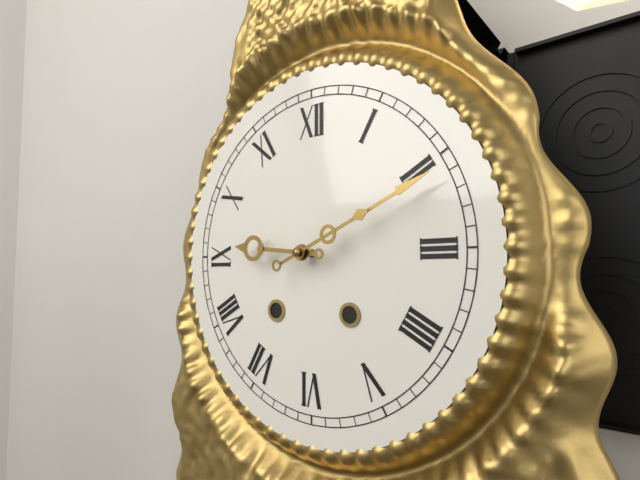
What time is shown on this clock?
9:11
